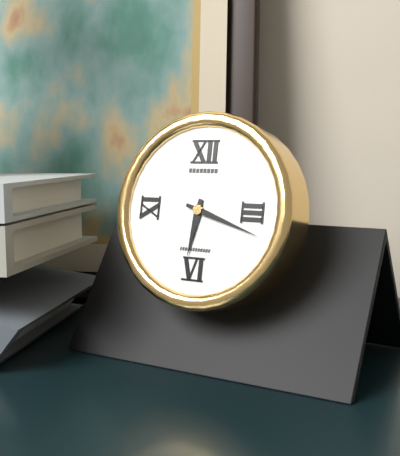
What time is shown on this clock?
6:18
